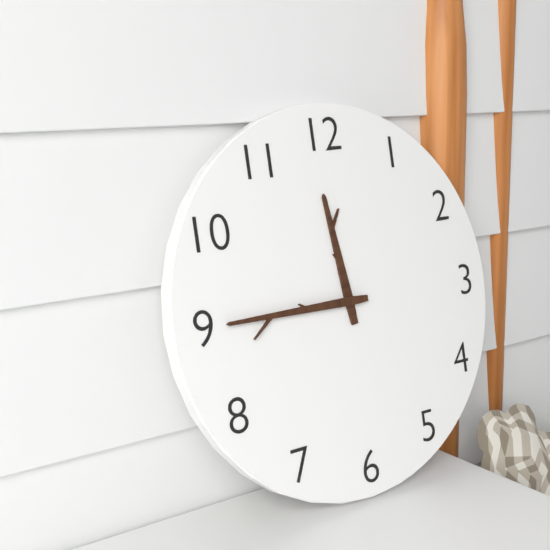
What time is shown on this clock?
11:45
